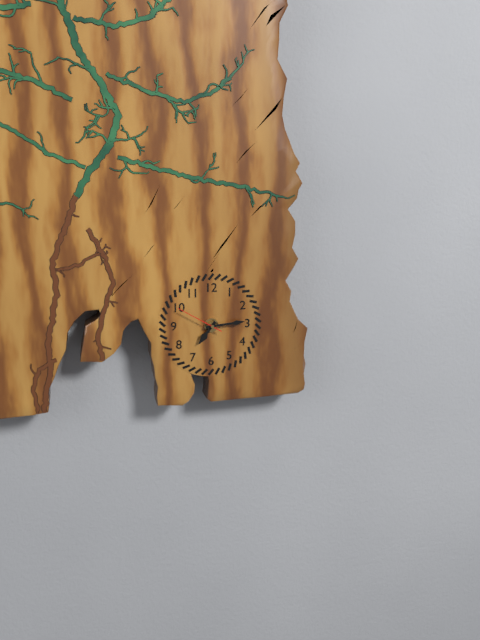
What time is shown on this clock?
7:14
